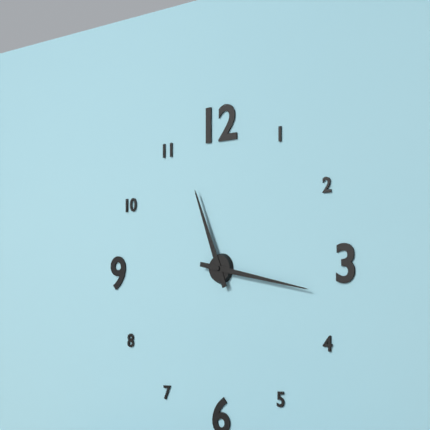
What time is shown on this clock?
11:17
